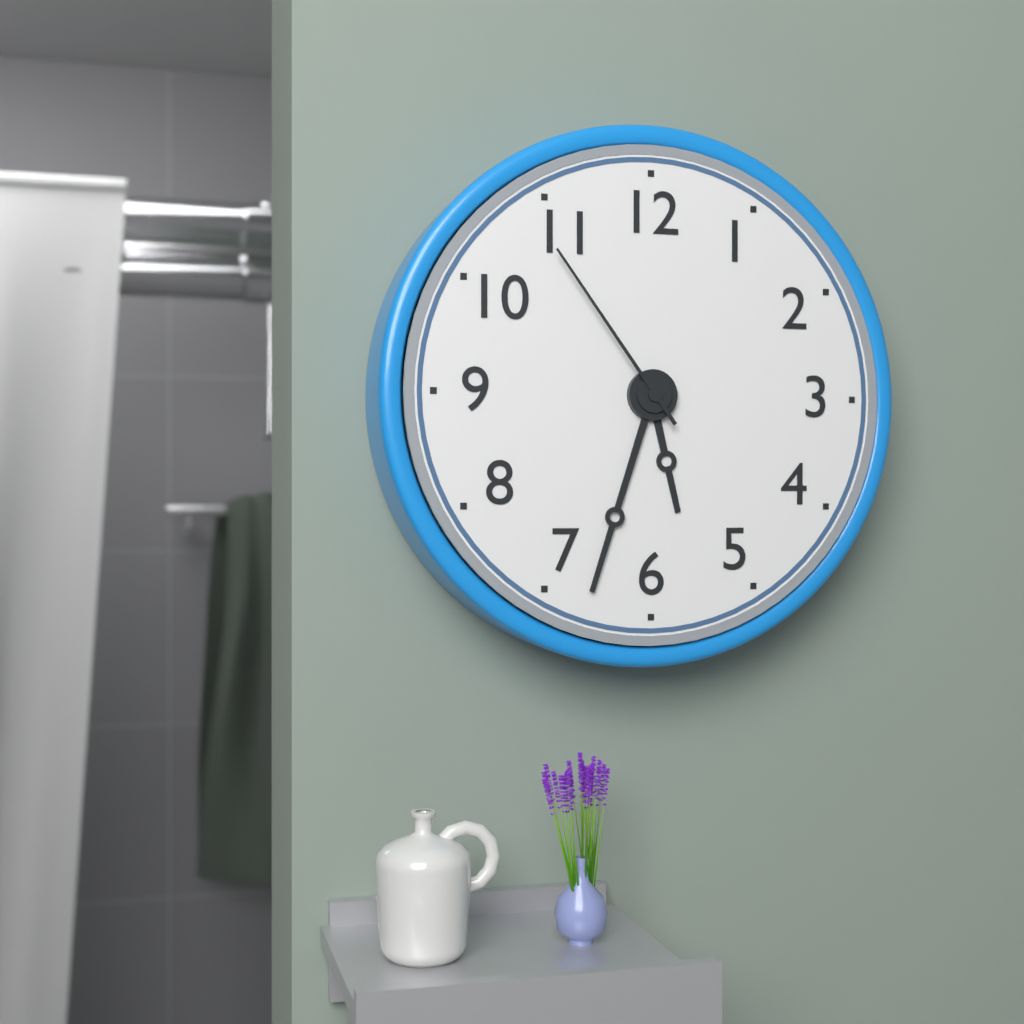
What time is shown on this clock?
5:33:54
